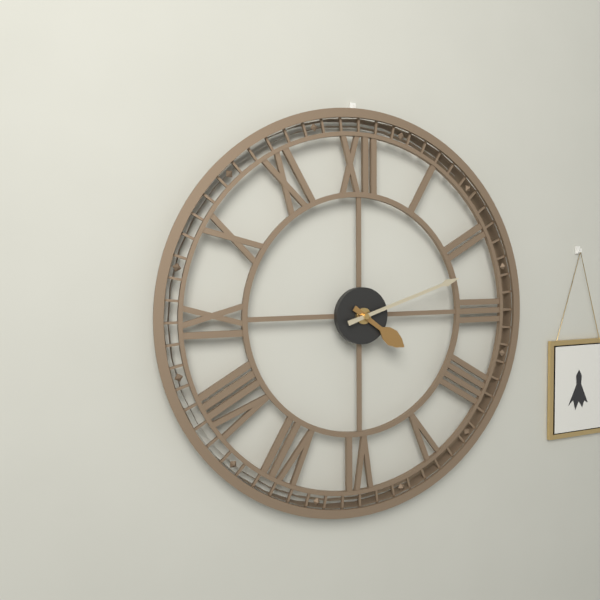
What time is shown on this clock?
4:12
